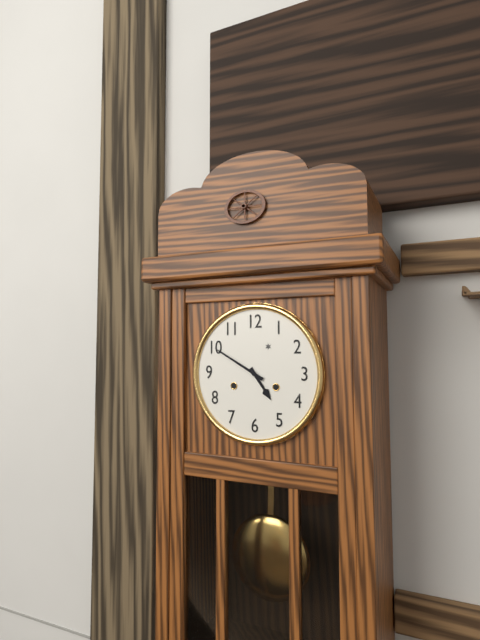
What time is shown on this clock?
4:50
